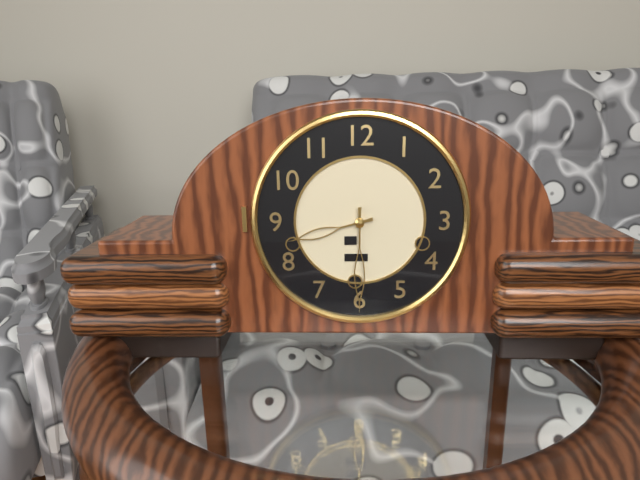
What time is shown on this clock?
8:30
